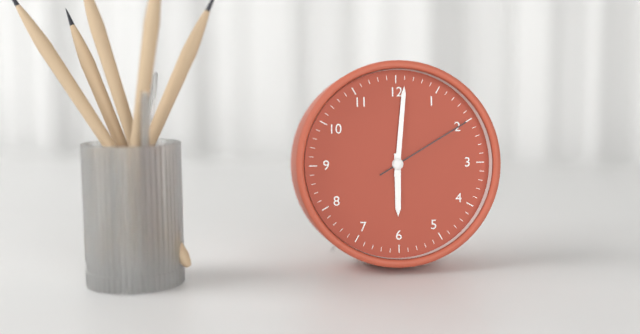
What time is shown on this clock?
6:01:10
